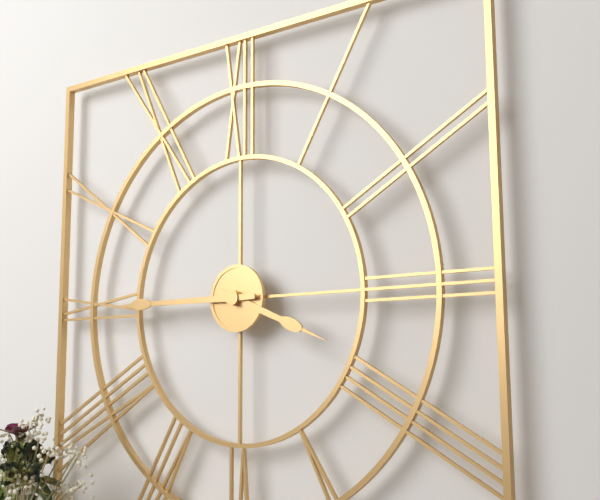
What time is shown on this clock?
3:45
